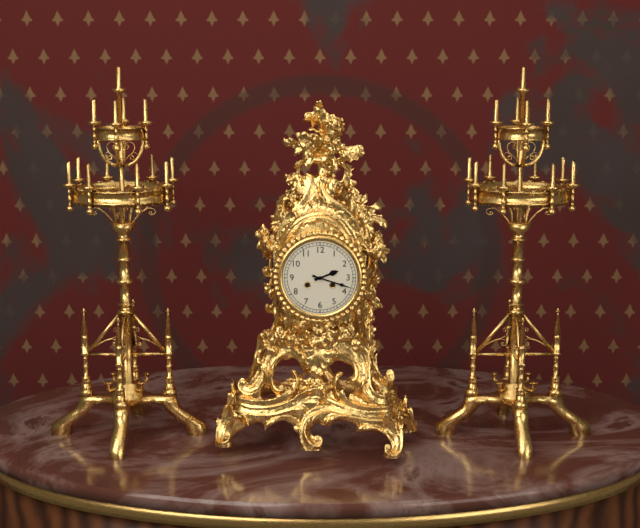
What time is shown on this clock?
2:18
